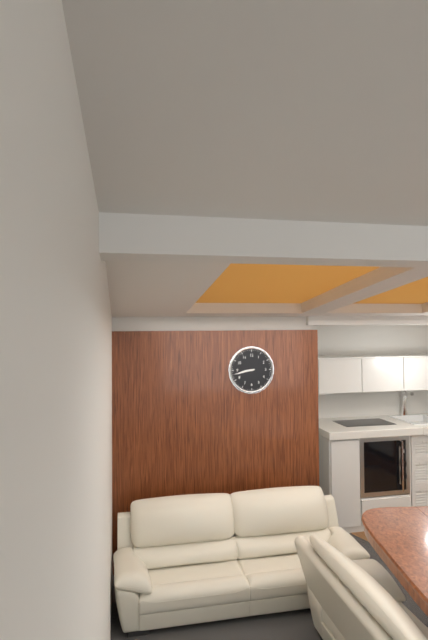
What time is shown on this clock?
8:43
